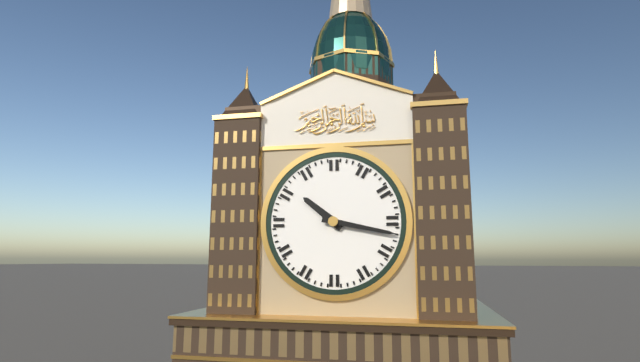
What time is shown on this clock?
10:17
